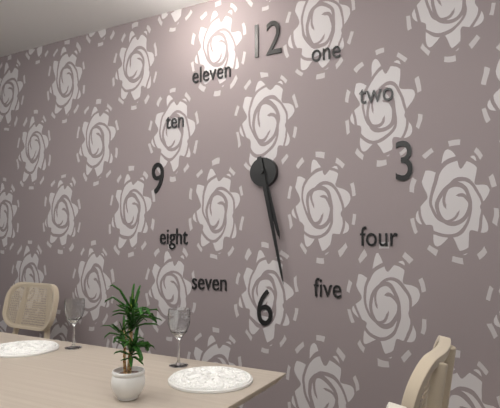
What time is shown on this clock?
5:28
